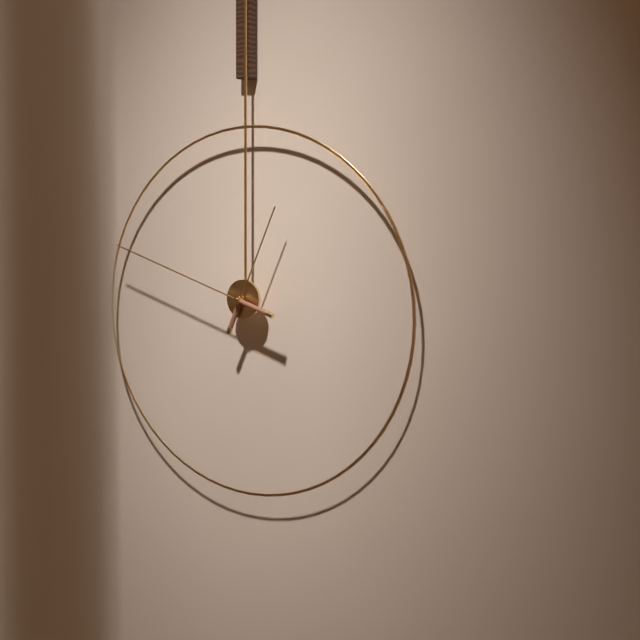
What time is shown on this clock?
12:48
